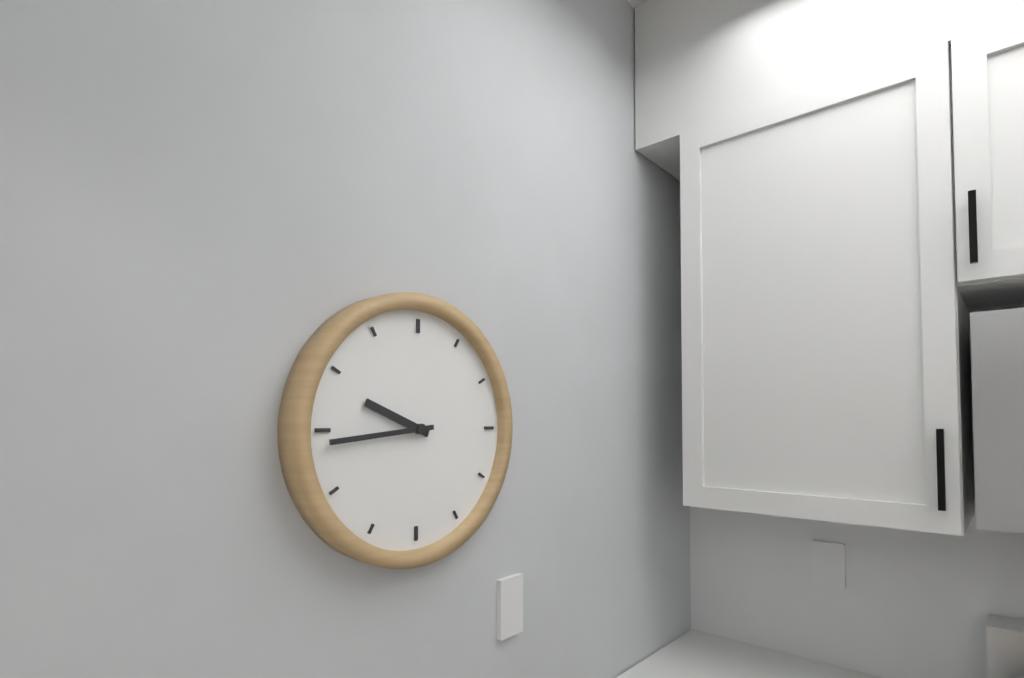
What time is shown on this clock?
9:44
